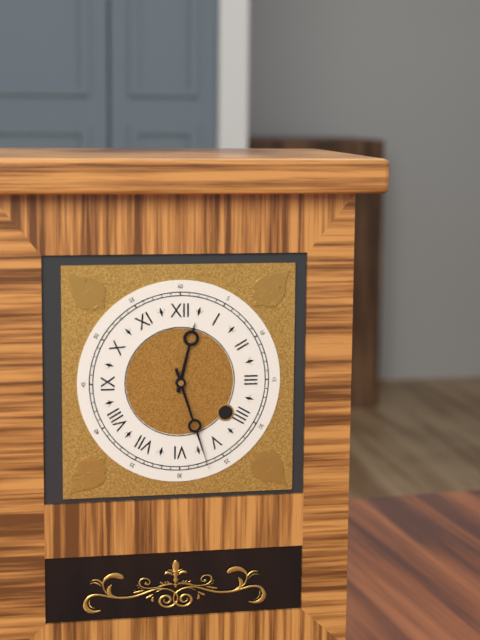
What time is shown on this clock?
12:27
